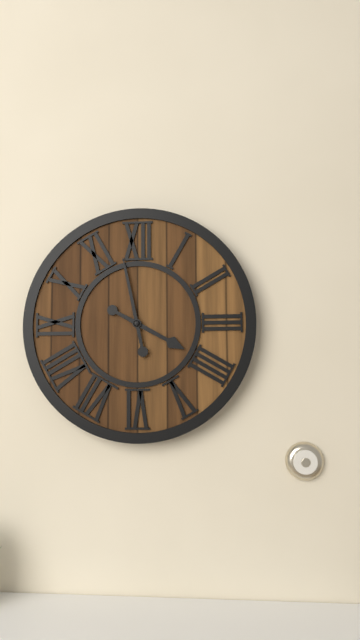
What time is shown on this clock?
3:58
